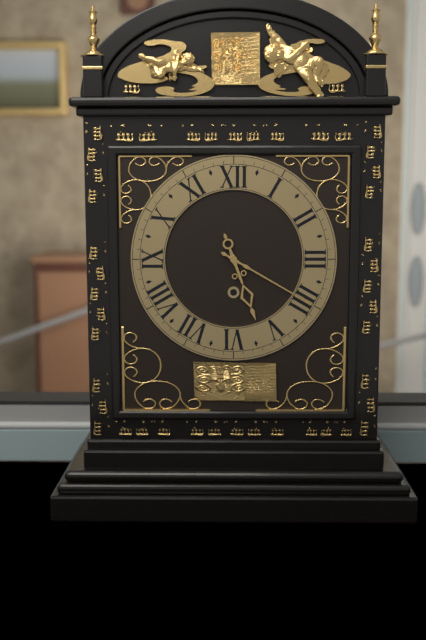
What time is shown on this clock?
5:20
